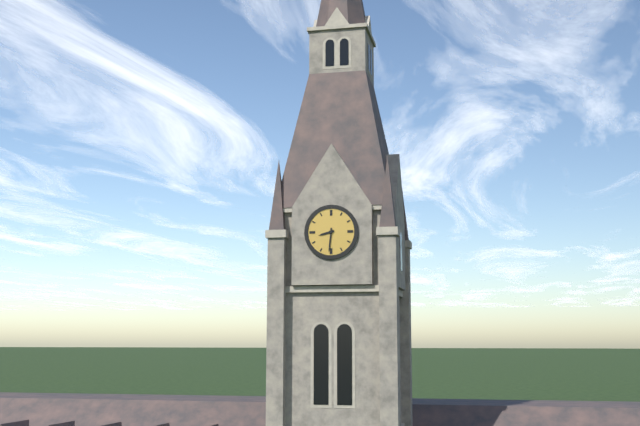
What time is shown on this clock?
8:31
